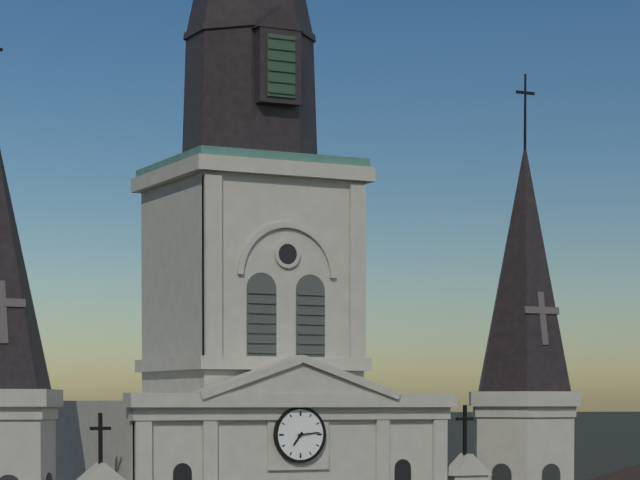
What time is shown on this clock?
7:14
